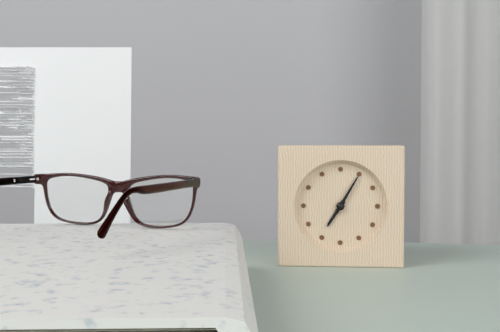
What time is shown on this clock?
7:05
